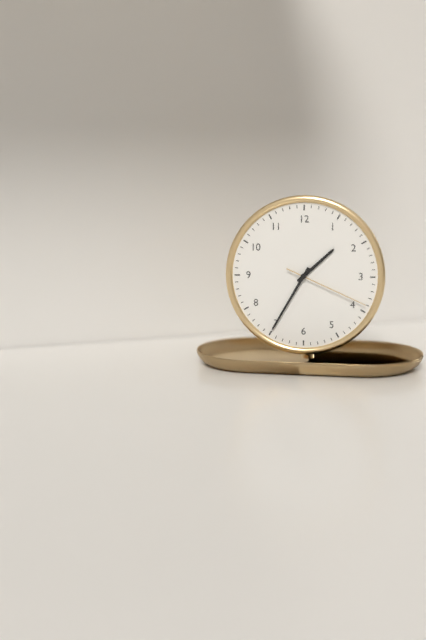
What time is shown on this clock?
1:35:19
